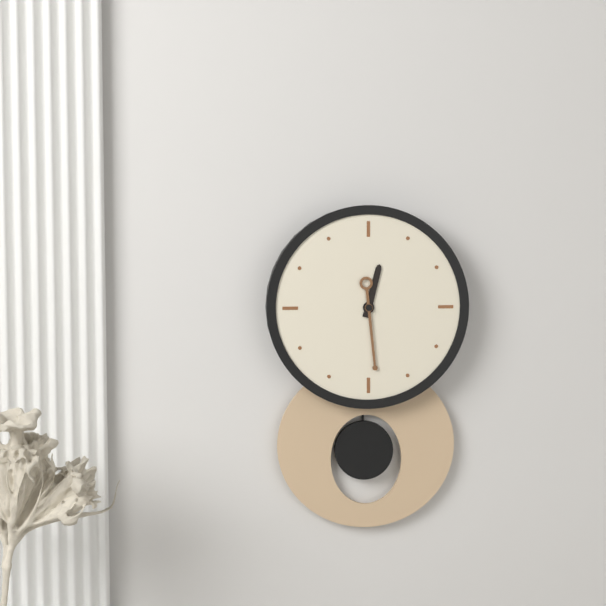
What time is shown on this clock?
12:29
